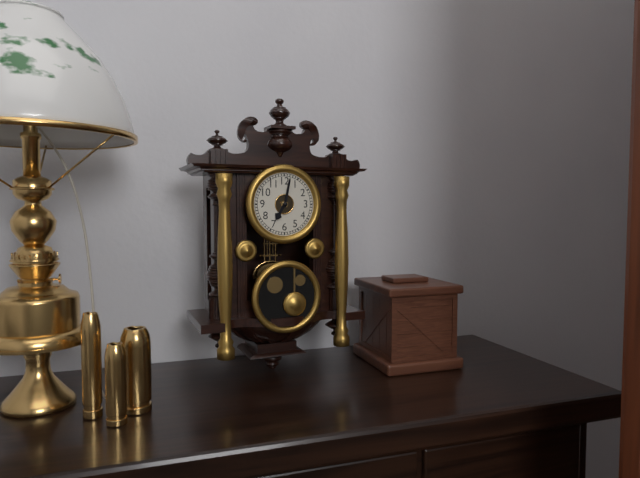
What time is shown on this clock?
7:02
